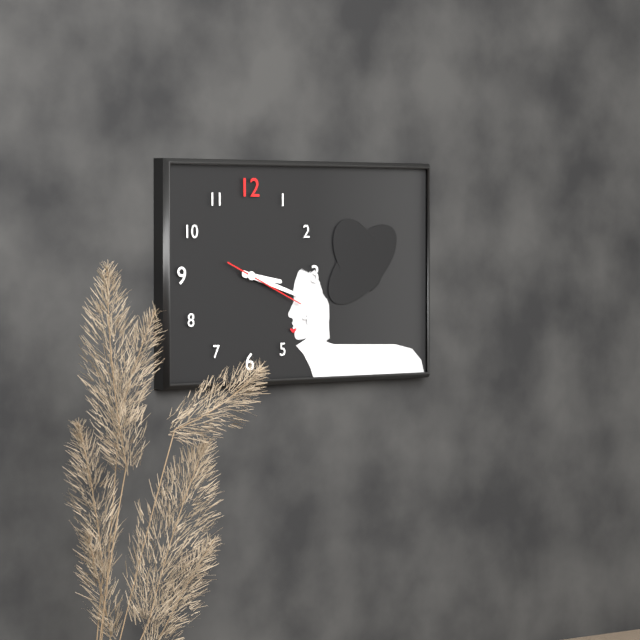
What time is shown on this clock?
3:18:19
